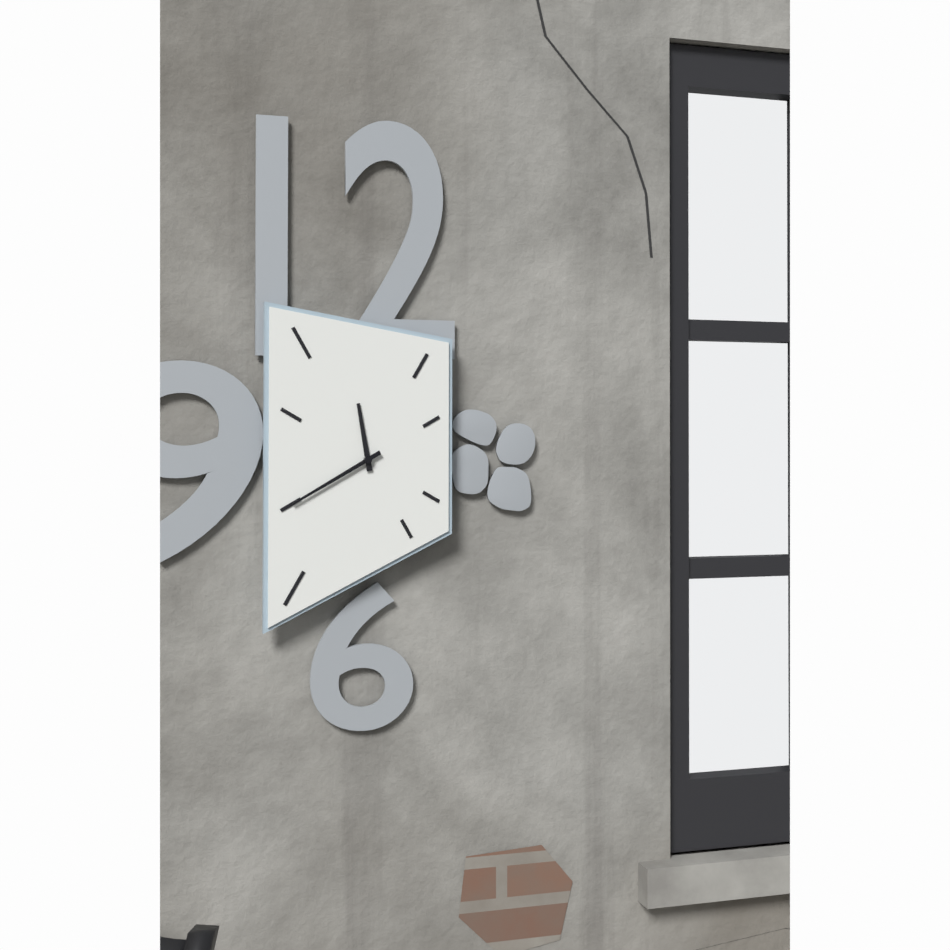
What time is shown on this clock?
11:40
